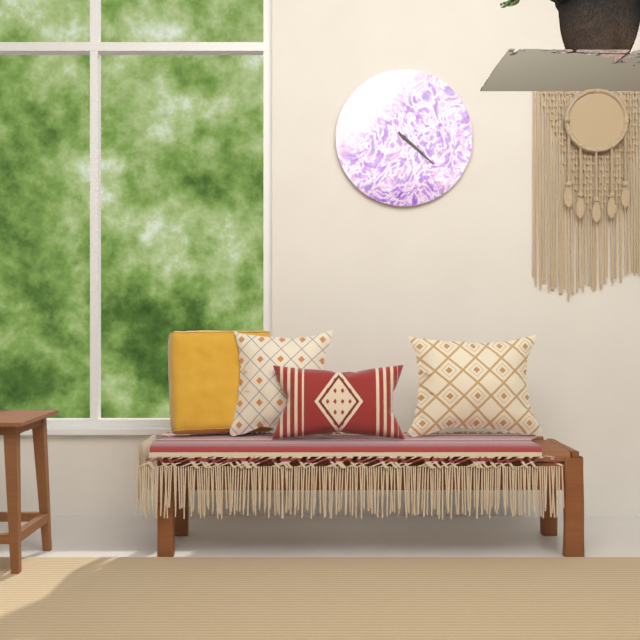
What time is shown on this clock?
4:22
